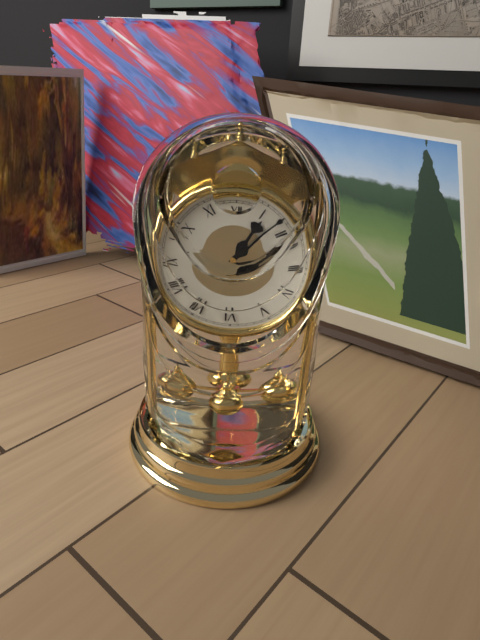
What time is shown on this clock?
1:08
